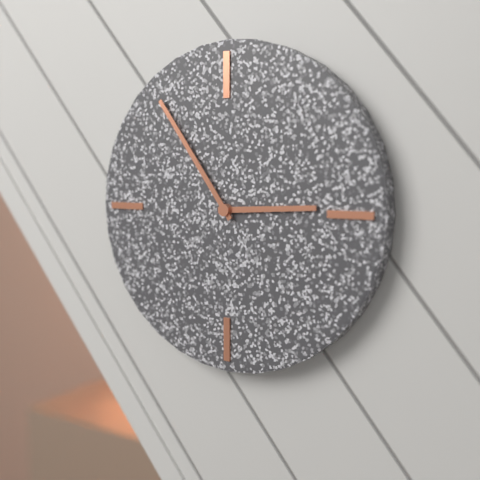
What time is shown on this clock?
2:54
